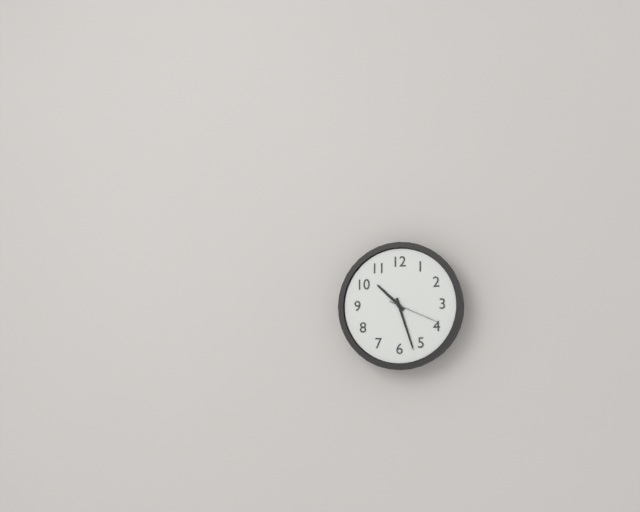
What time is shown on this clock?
10:27:19
